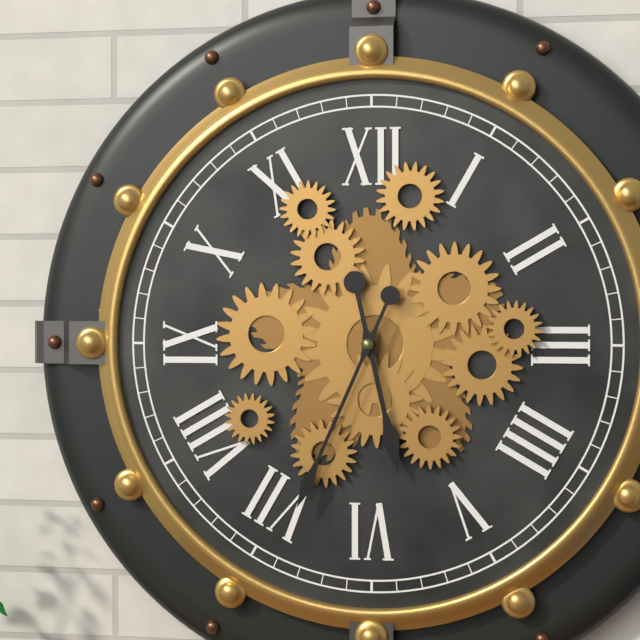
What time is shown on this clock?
5:34
